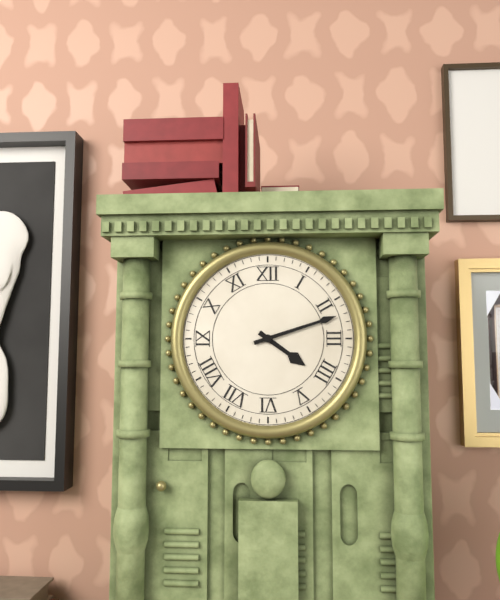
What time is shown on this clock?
4:12
